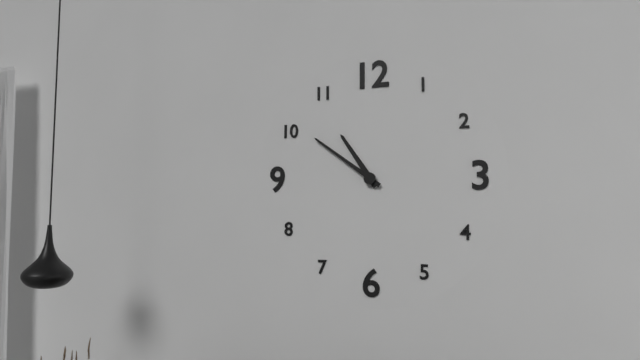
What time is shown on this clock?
10:51
